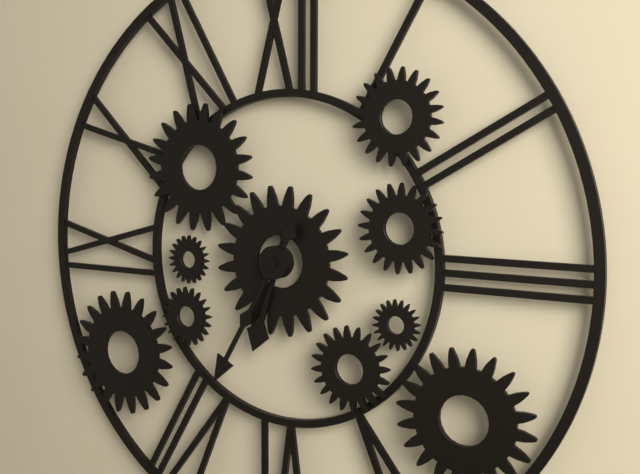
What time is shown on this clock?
6:35
